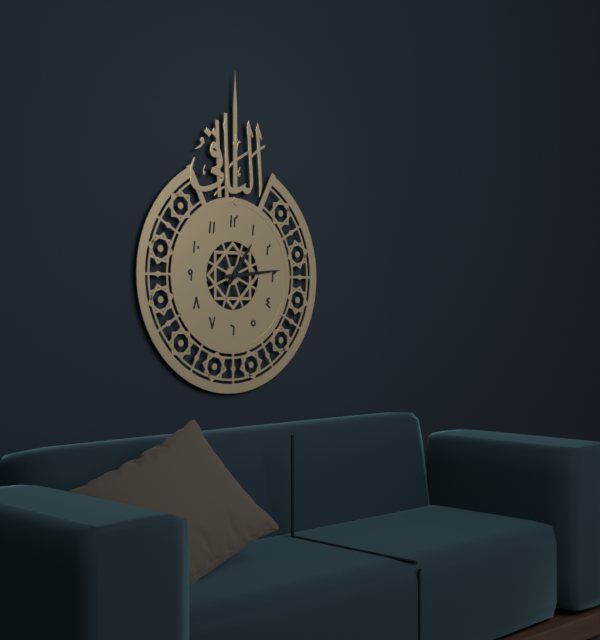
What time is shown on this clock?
1:14
